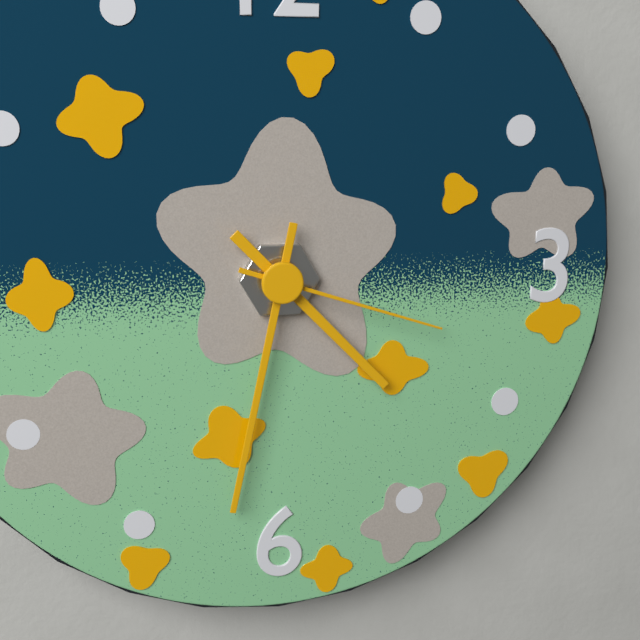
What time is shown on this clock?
4:32:18
